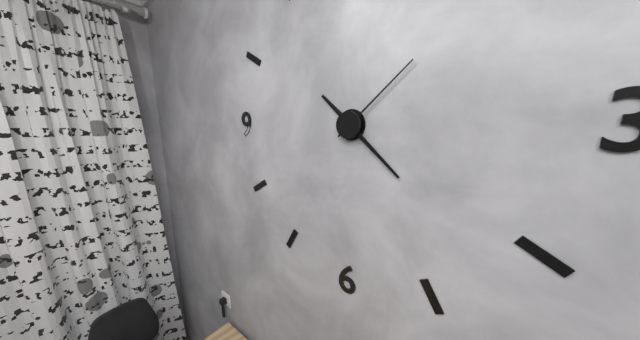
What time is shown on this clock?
10:22:08
